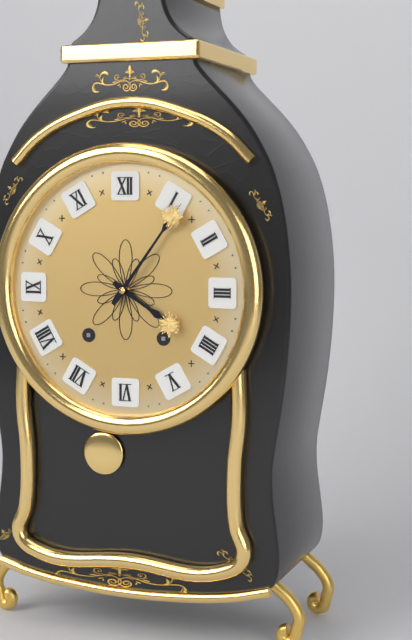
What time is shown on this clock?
4:06
